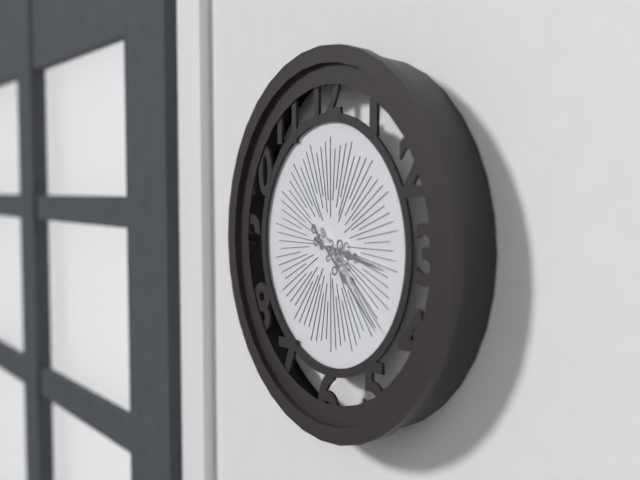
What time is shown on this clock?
3:22
